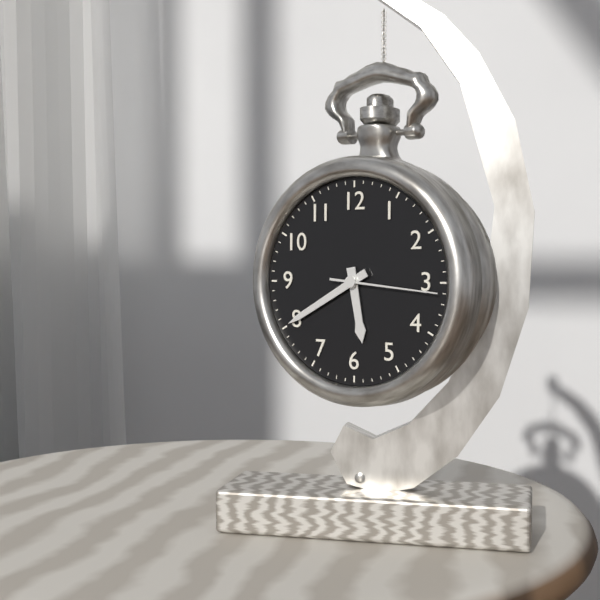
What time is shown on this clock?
5:40:16
